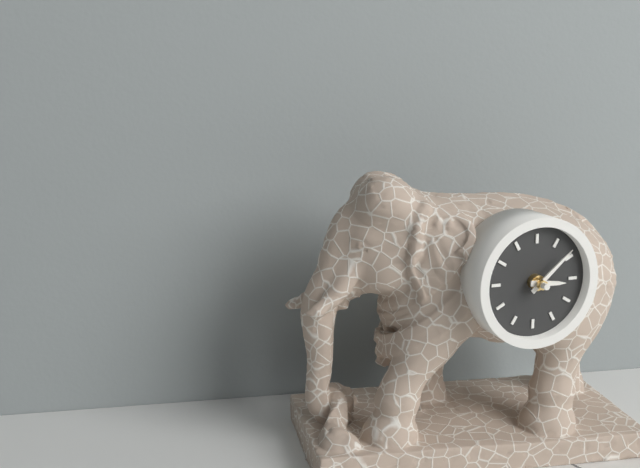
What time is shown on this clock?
3:08
